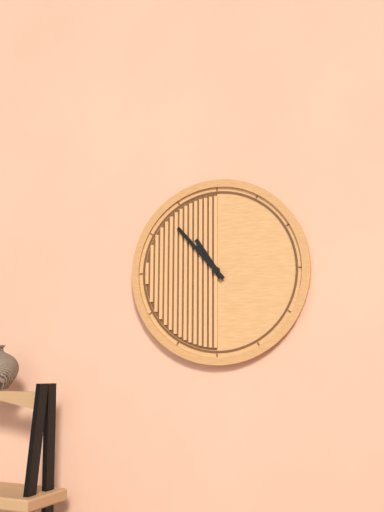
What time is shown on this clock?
10:53
